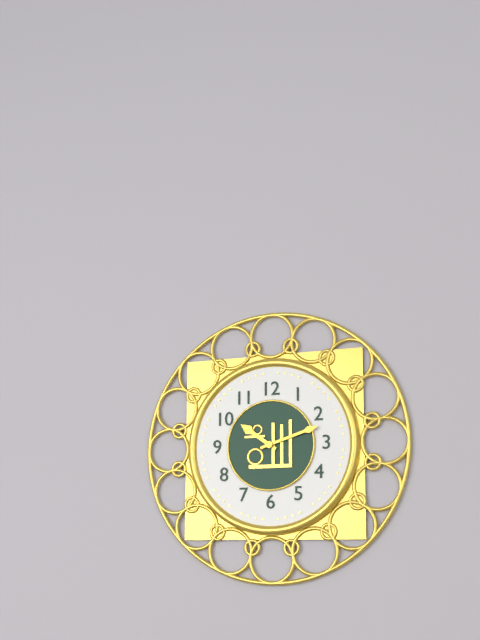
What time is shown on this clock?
10:12
